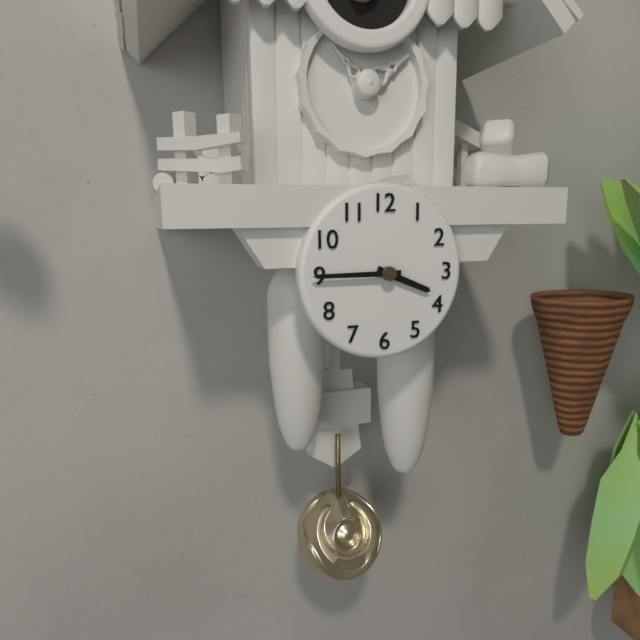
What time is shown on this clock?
3:45
